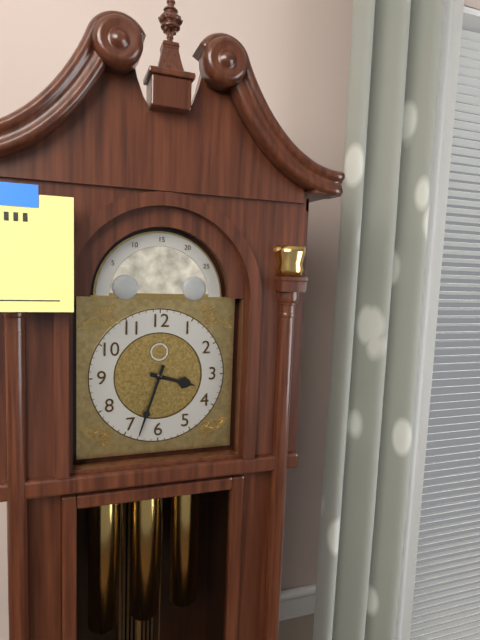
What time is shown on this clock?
3:33
